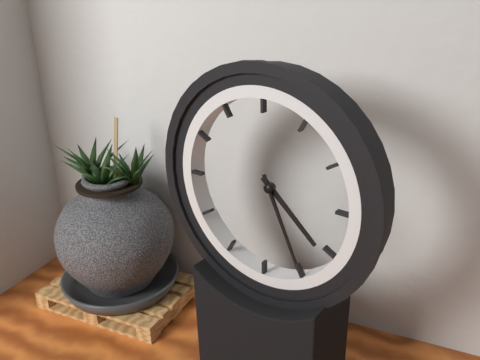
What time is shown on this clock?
4:26
